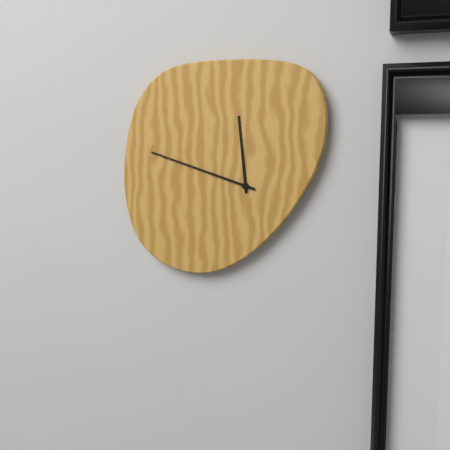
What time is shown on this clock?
11:48
